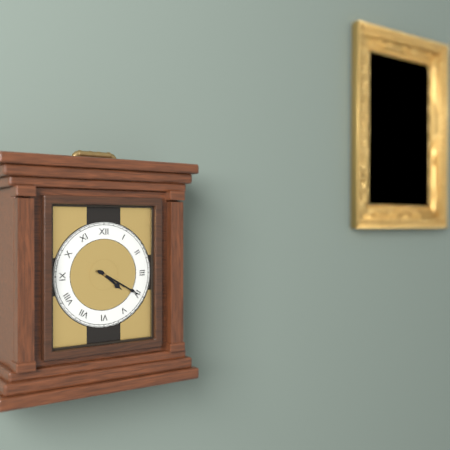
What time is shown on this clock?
4:20
